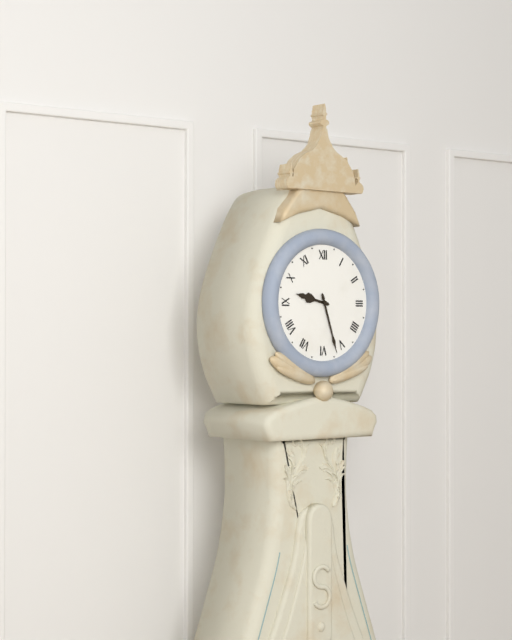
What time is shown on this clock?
9:27
